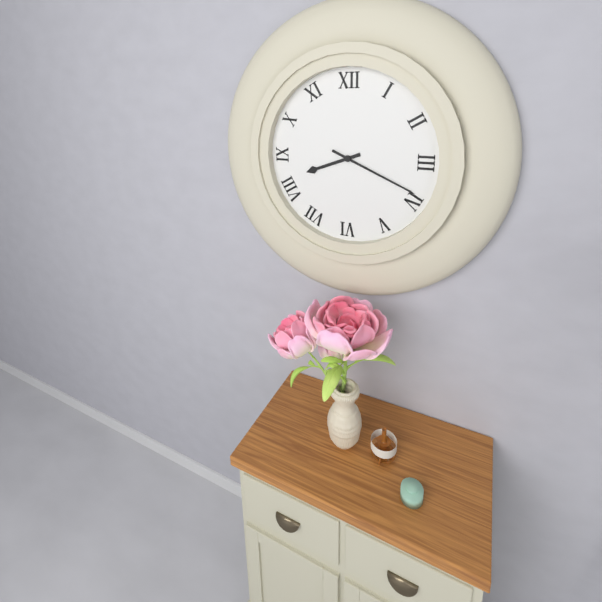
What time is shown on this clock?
8:19
